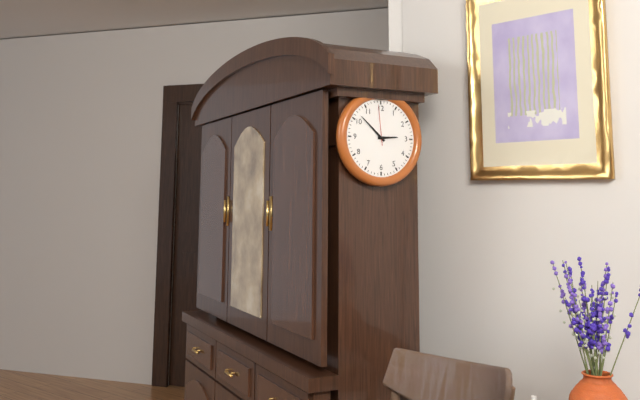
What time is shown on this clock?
2:52
